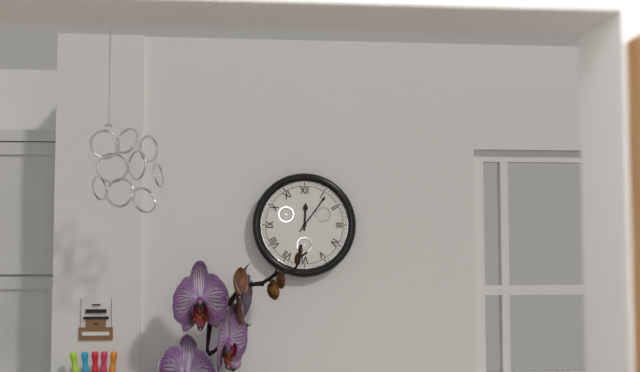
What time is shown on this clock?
12:06
